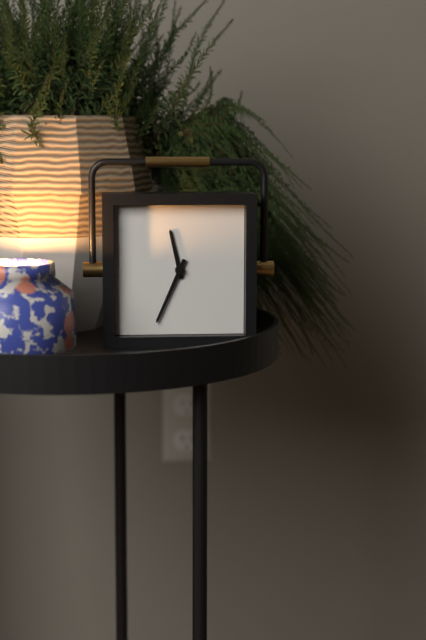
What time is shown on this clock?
11:34
